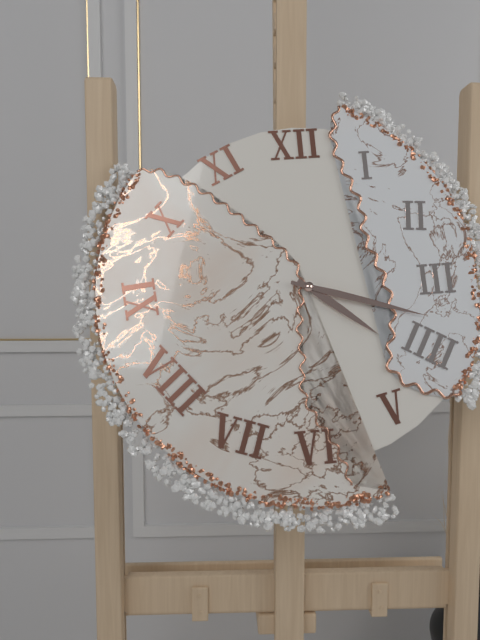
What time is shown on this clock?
4:18
